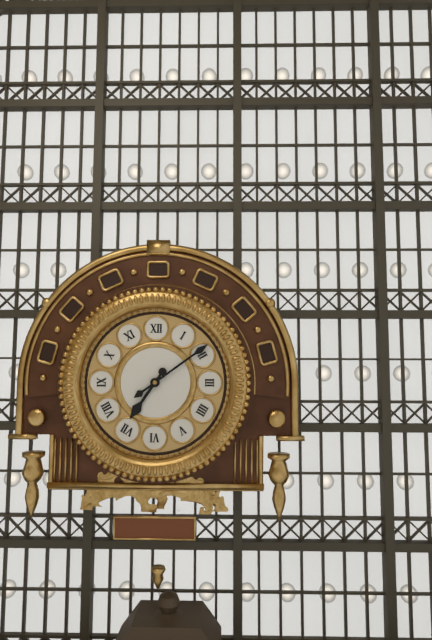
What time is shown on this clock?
7:09
